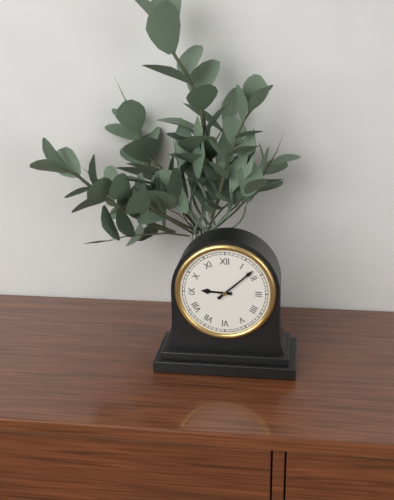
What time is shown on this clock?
9:08
